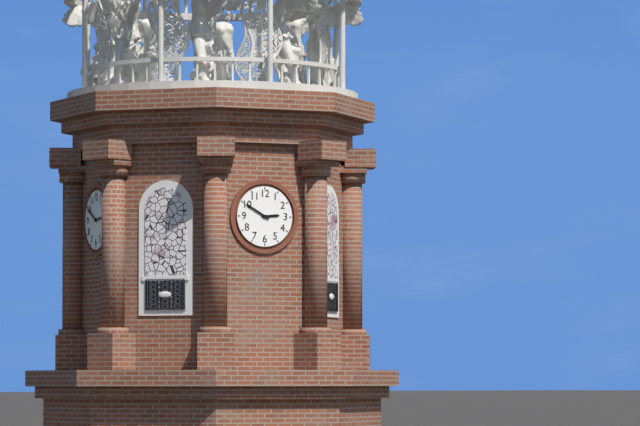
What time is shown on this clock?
2:50
